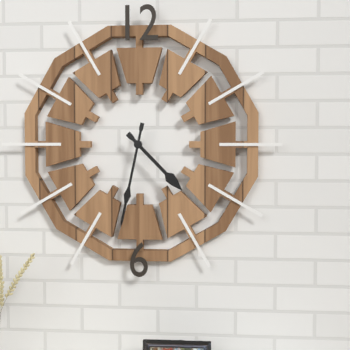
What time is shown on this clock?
4:32
